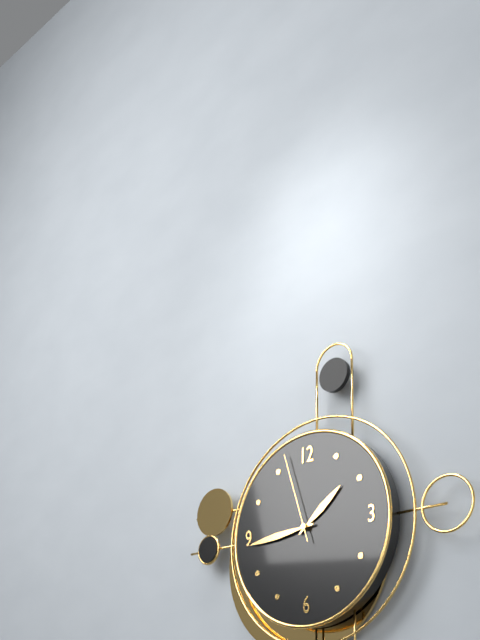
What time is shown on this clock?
1:44:57
